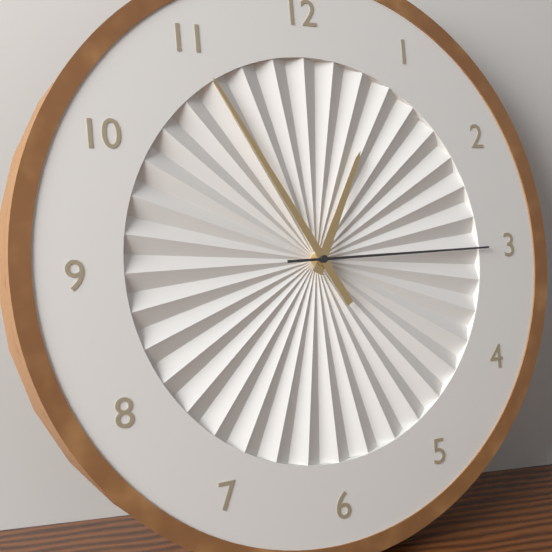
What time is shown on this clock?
12:55:15
